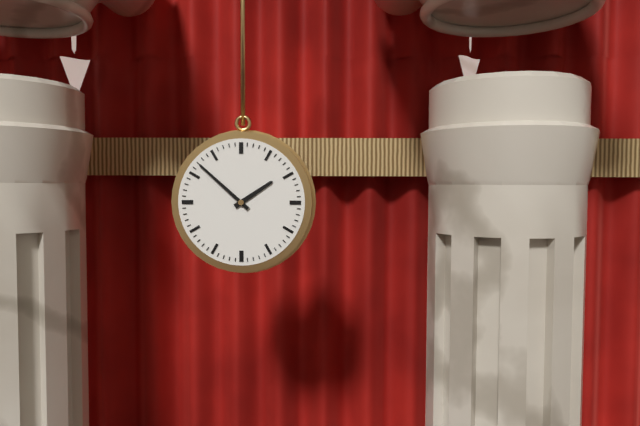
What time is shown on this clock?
1:52
